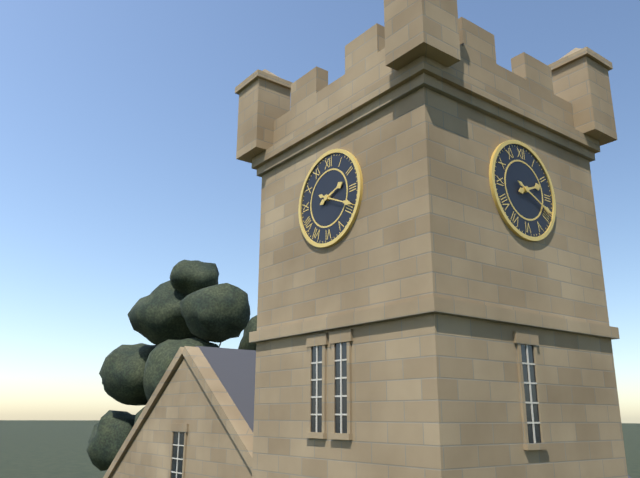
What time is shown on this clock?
2:19
